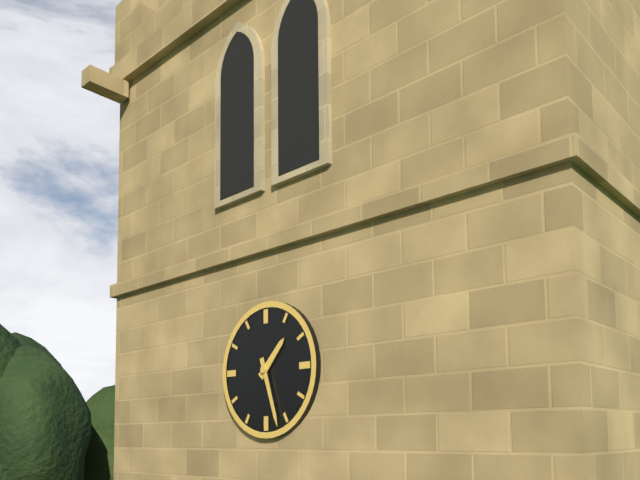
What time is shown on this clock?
1:27
